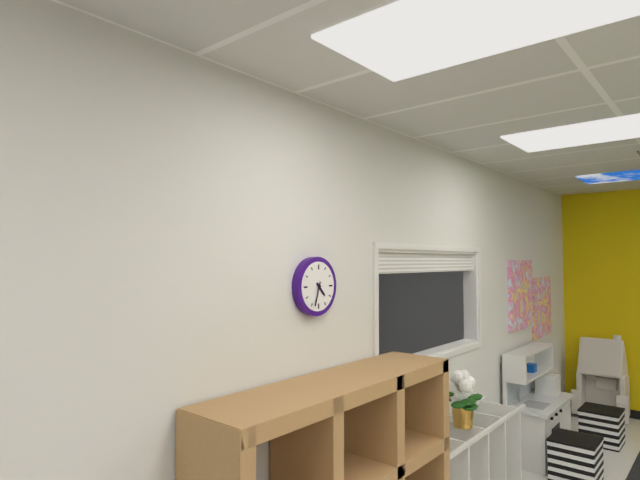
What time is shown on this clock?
4:33
